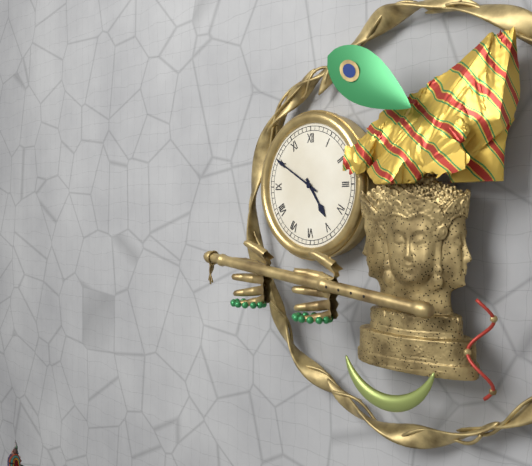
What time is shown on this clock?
4:50
